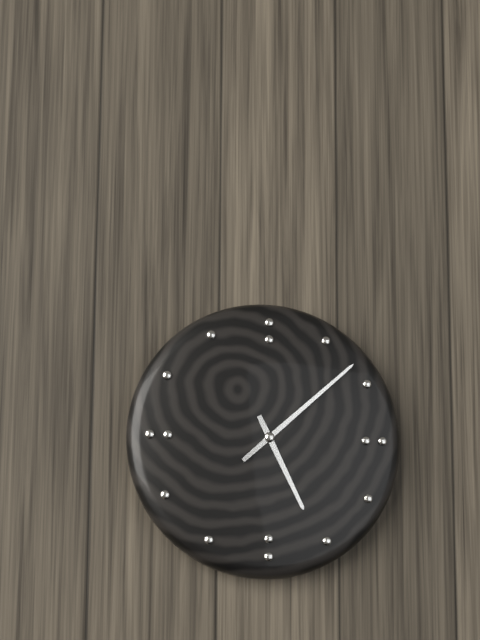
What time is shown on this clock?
5:08
